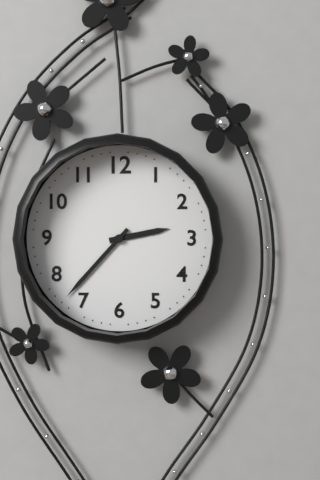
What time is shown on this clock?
2:37
